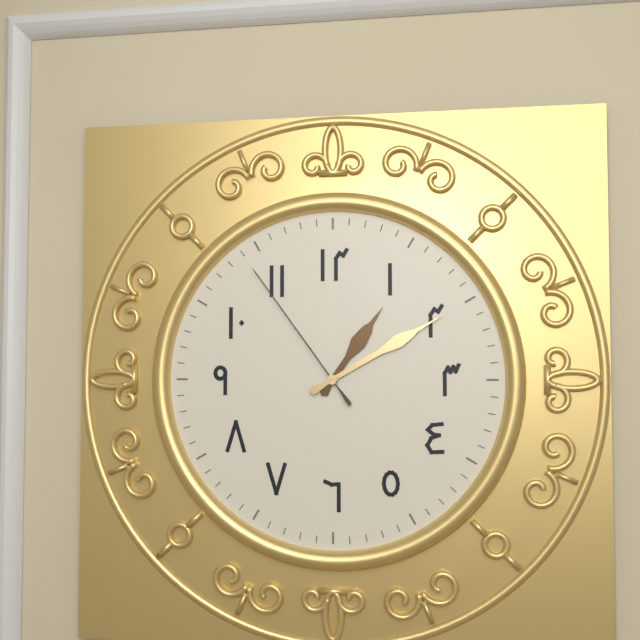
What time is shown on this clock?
1:10:54
